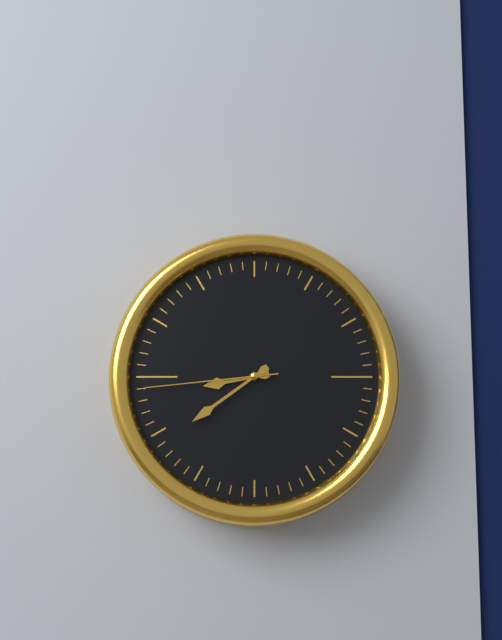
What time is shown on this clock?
8:39:44
